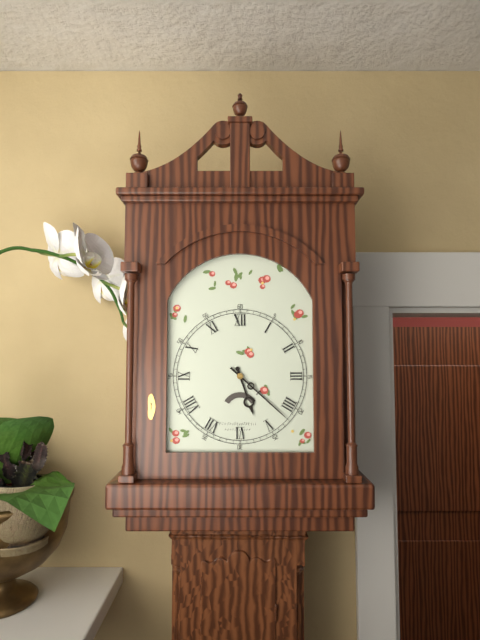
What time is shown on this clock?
5:22
